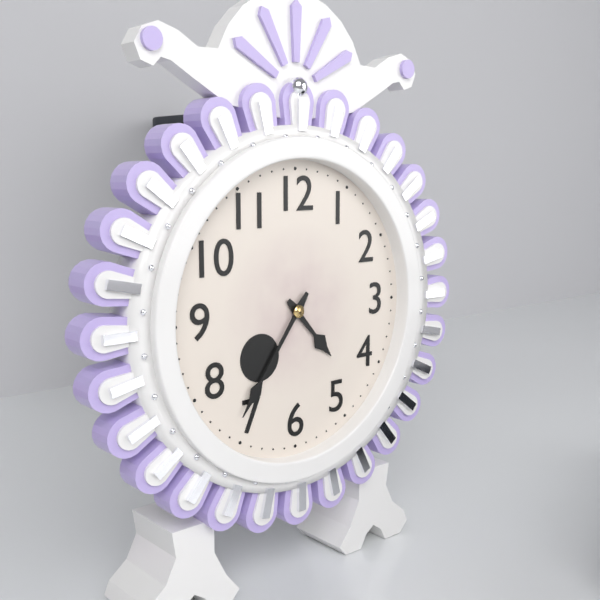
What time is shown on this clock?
4:36
